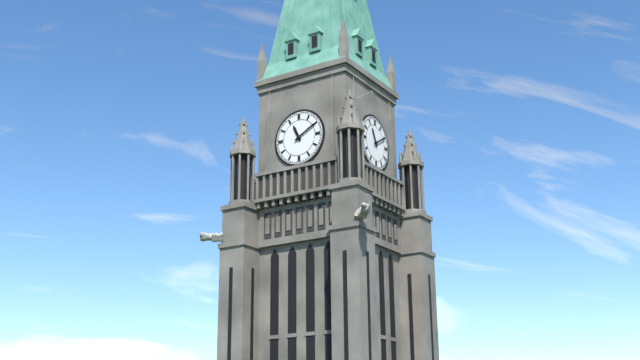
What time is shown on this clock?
11:10
